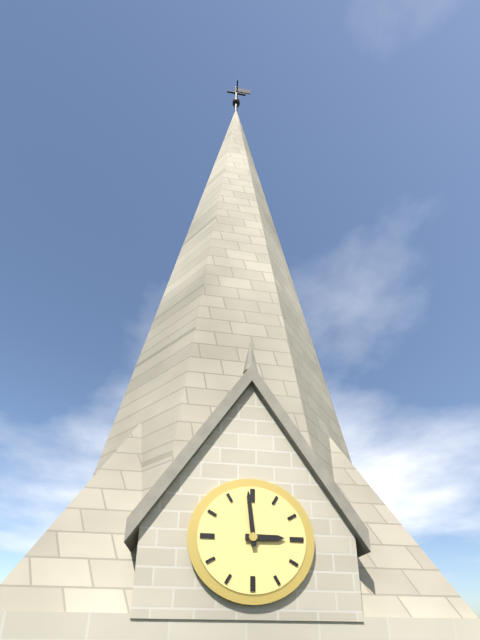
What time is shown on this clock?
2:59
